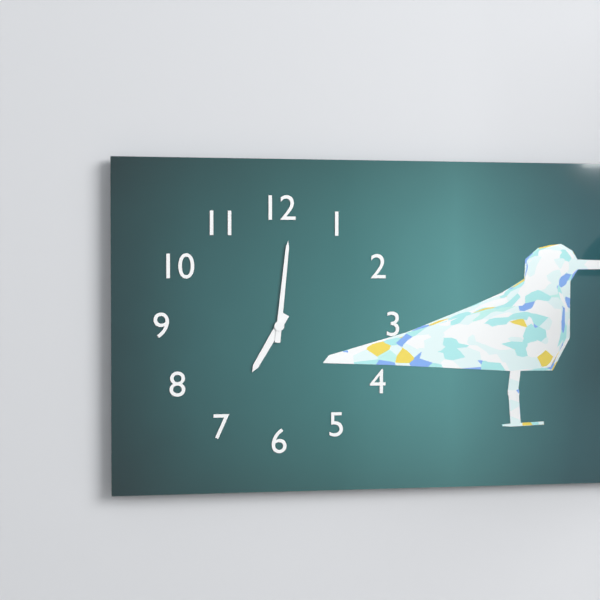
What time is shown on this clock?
7:01
